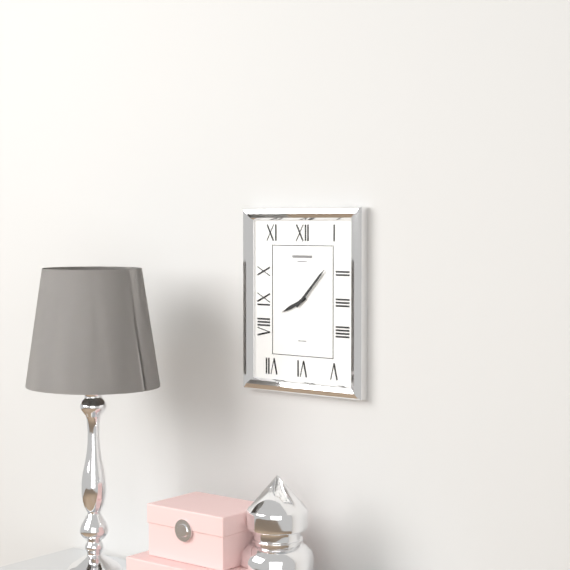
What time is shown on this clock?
8:07
